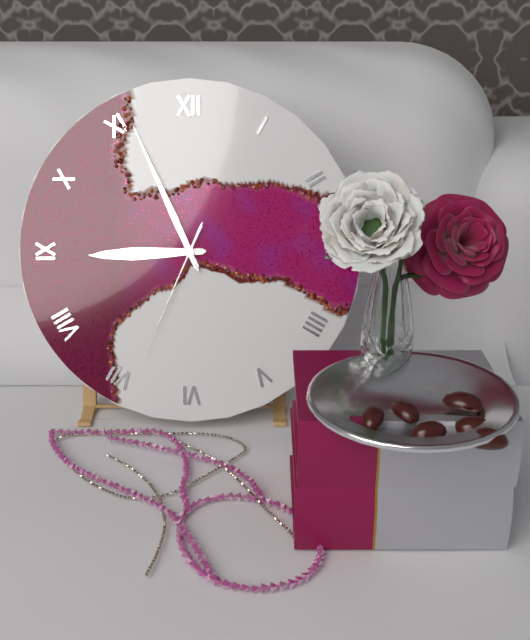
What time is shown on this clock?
8:56:34
